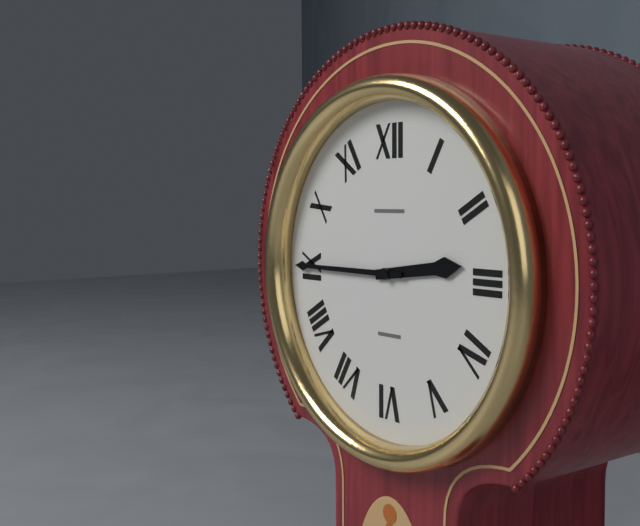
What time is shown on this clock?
2:45
